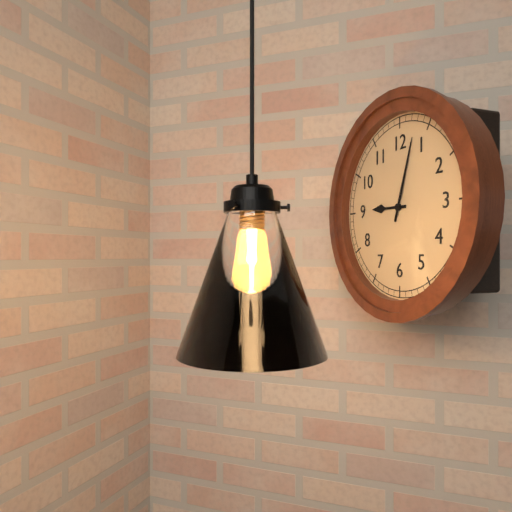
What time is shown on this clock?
9:03
